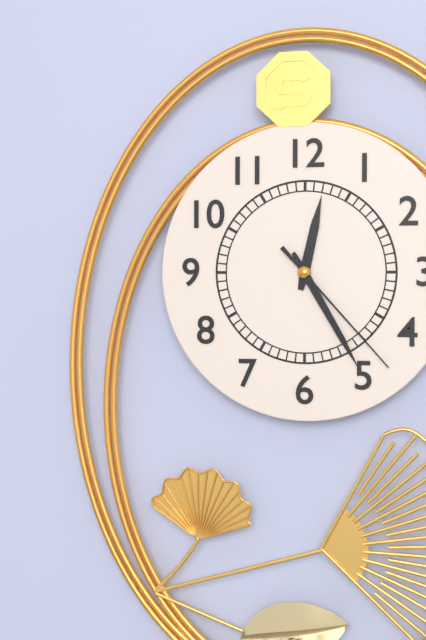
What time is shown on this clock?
12:25:23
